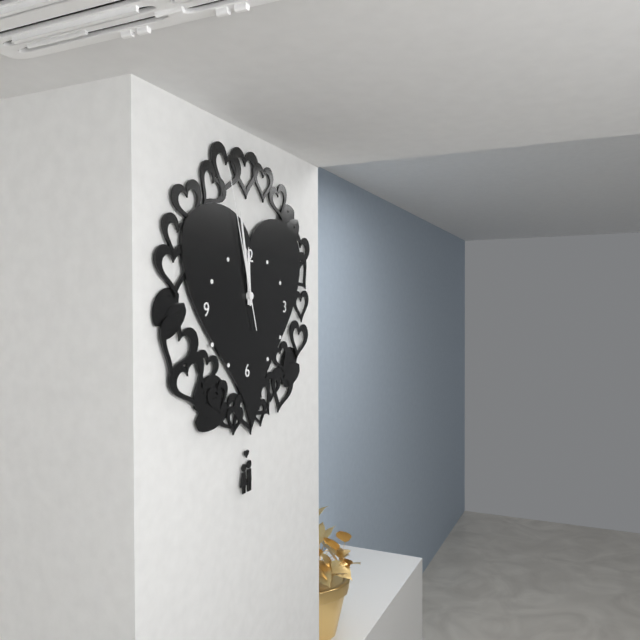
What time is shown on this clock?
11:58:57
